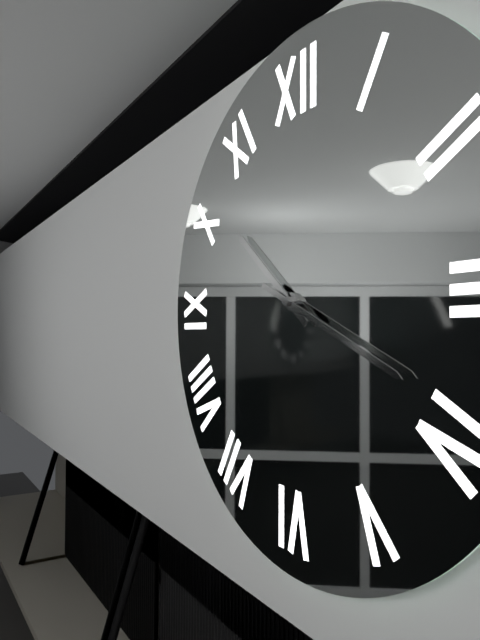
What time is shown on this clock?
10:19
